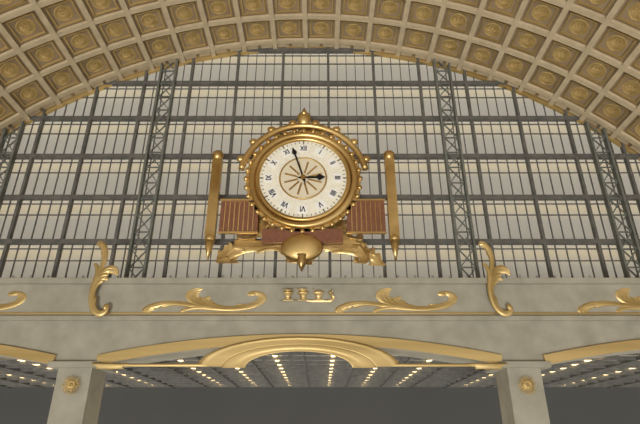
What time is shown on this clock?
2:57
